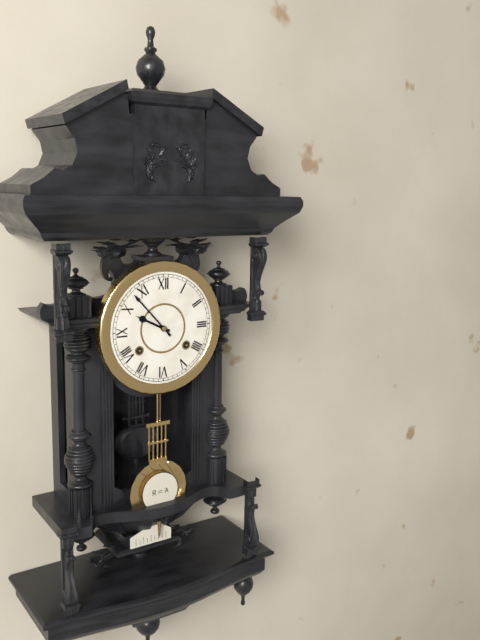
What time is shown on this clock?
9:53
